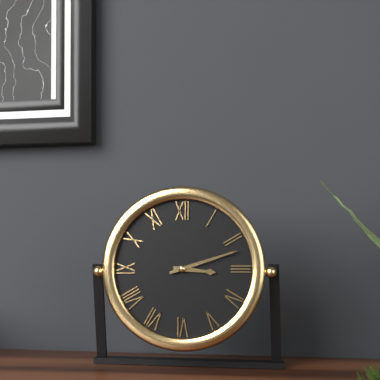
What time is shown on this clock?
3:12
